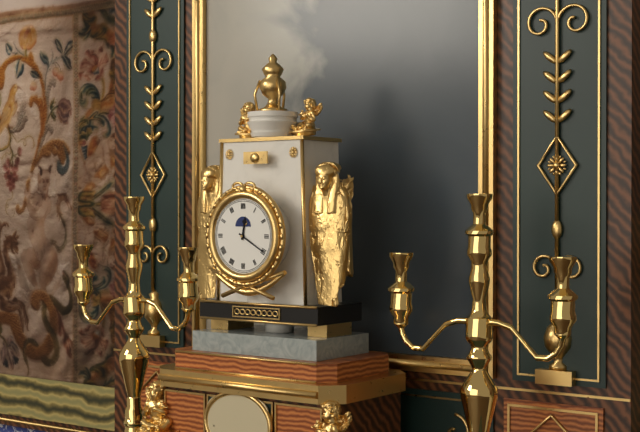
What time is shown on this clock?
12:20
